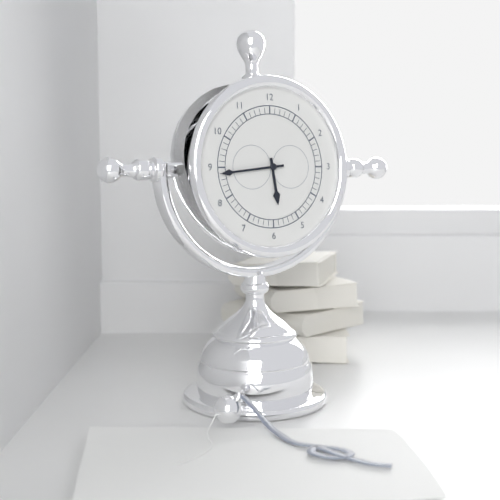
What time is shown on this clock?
5:44
